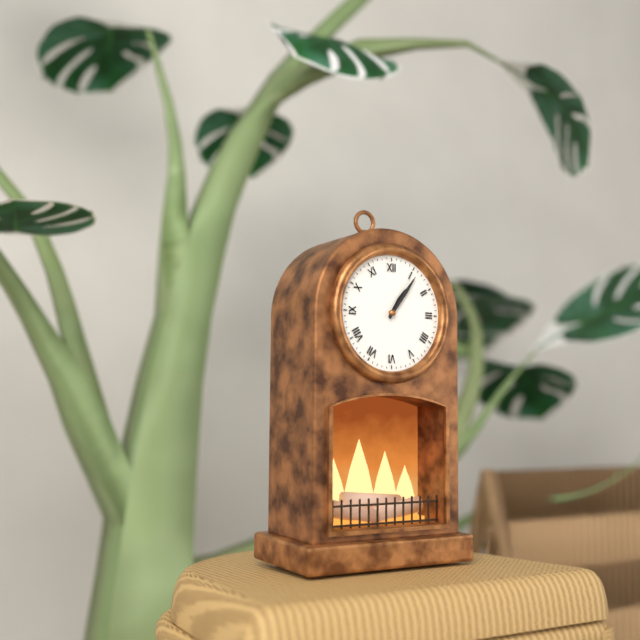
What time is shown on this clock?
1:06
